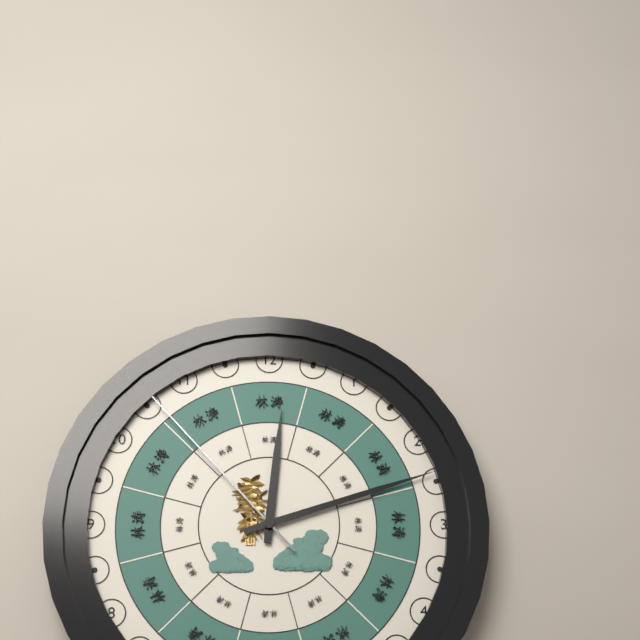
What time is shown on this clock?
12:12:53
